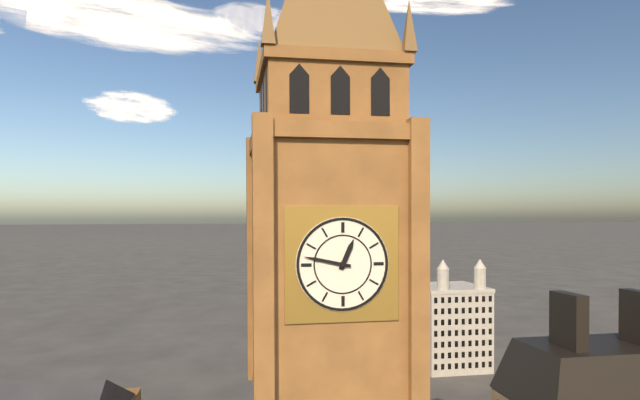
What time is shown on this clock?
12:47
